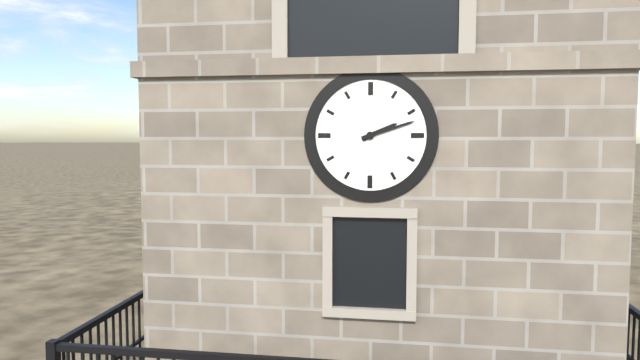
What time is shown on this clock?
2:12
